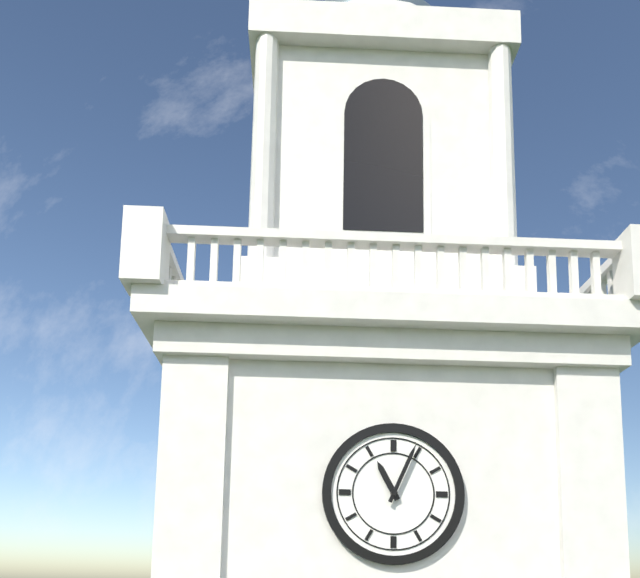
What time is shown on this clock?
11:04
